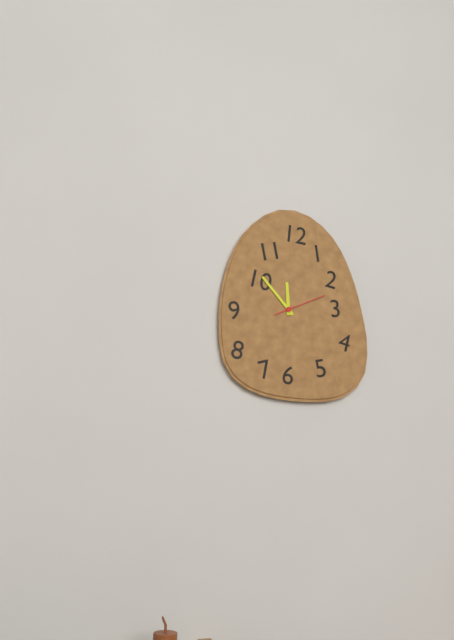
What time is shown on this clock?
11:53
